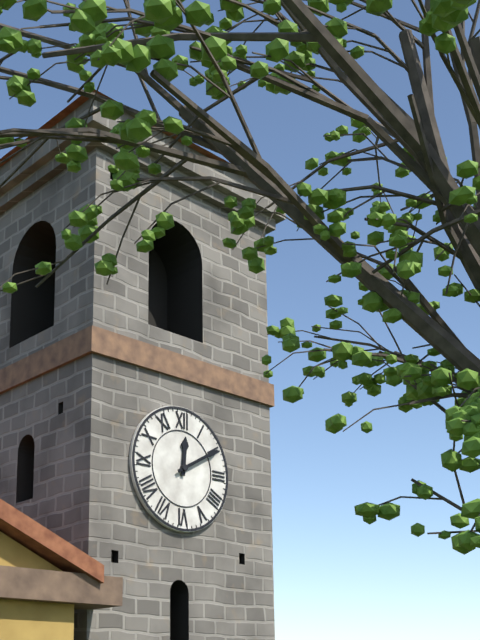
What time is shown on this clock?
12:10
